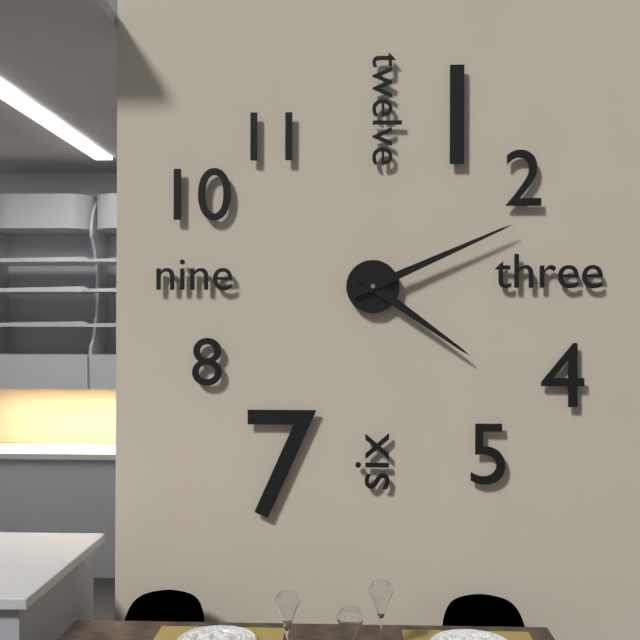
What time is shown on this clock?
4:11
